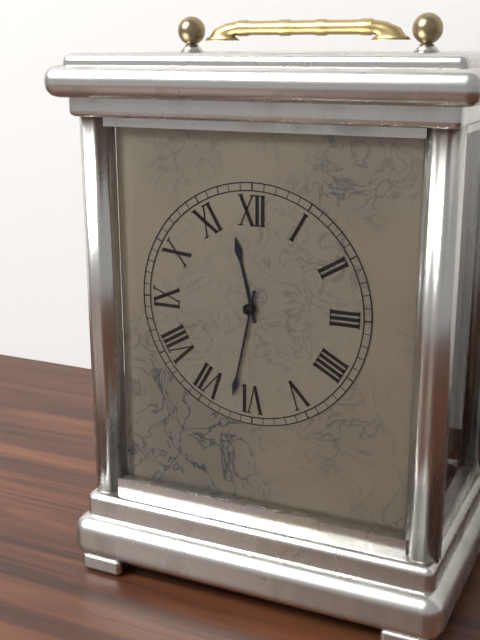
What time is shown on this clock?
11:32
